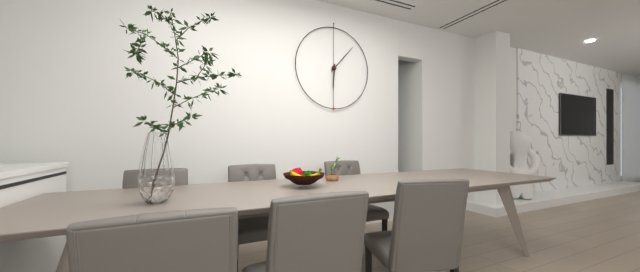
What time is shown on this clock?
6:07
